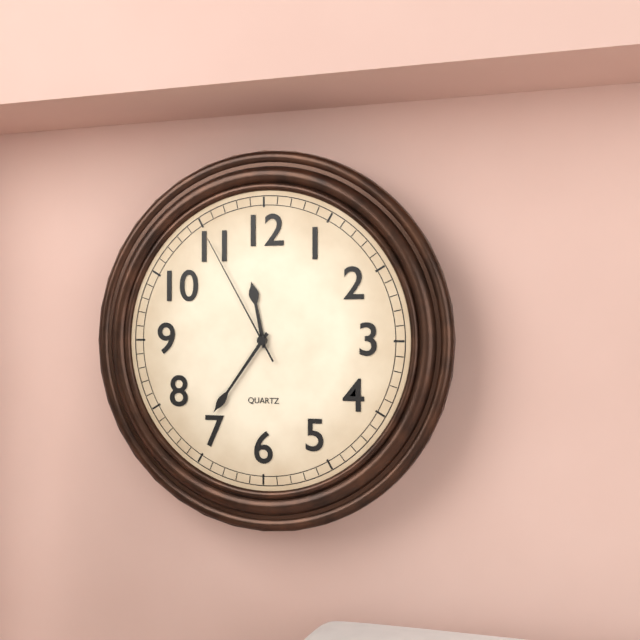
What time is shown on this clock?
11:36:55
